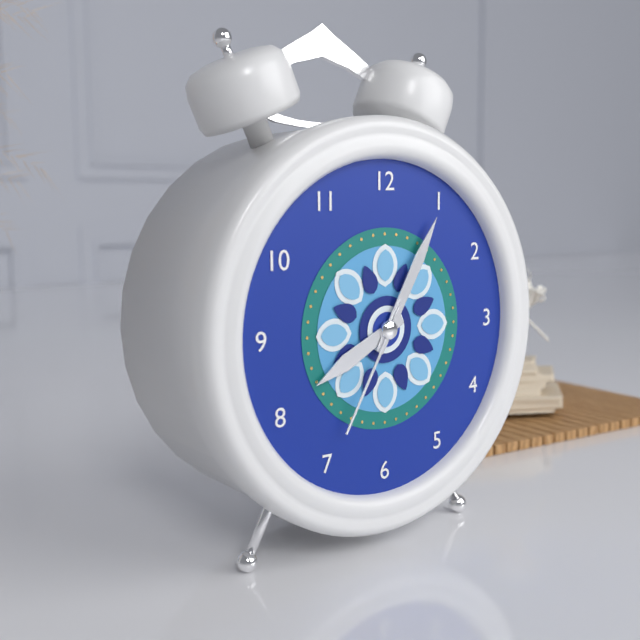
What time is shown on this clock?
8:05:35
